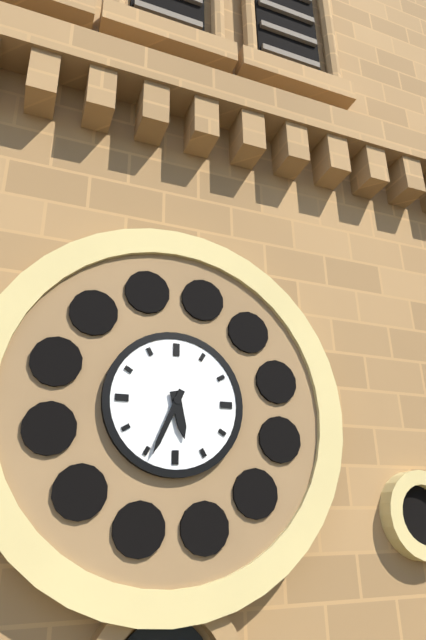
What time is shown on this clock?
5:34
